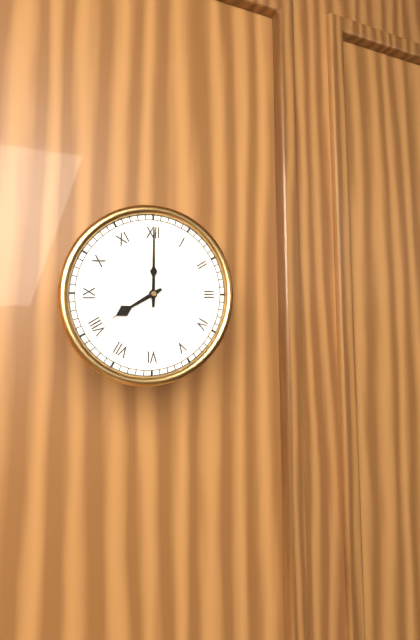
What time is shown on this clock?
8:00
